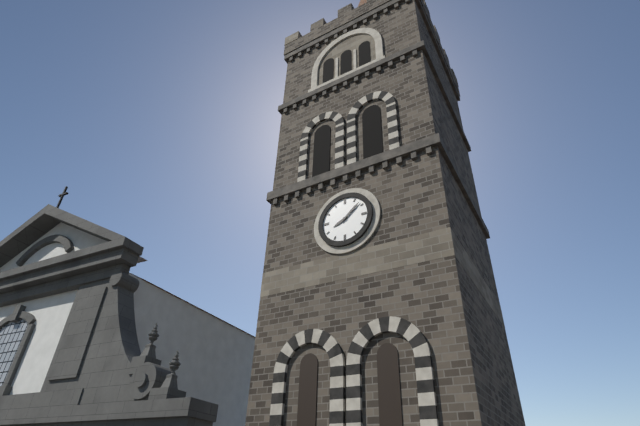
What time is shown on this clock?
8:08
